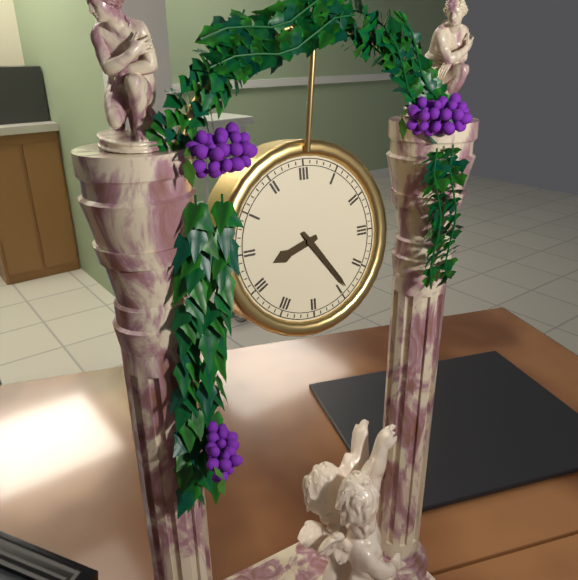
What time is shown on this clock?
8:24
